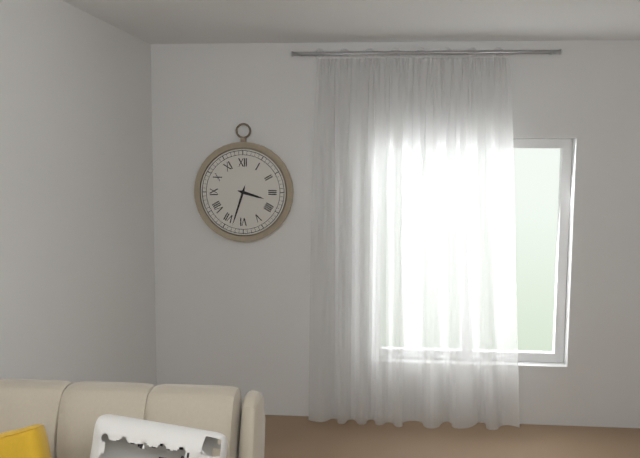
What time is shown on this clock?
3:33
